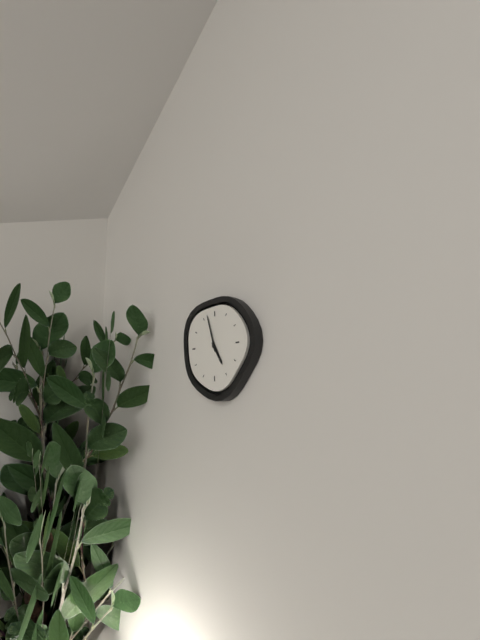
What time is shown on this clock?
4:57
